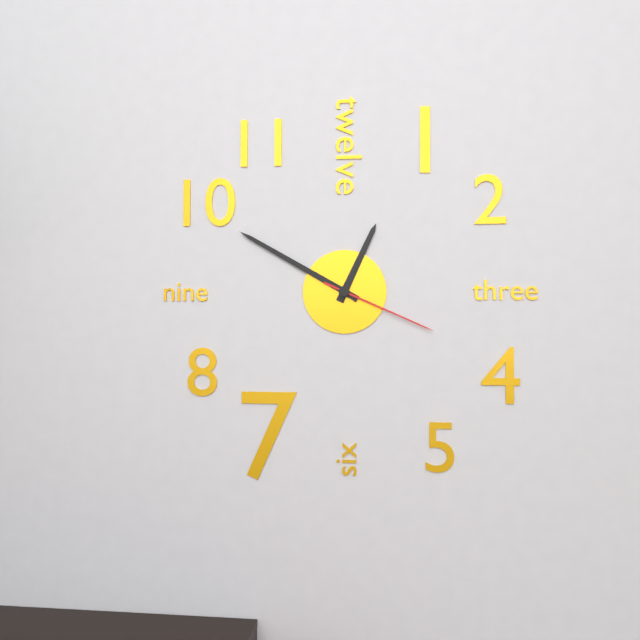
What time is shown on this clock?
12:50:19
